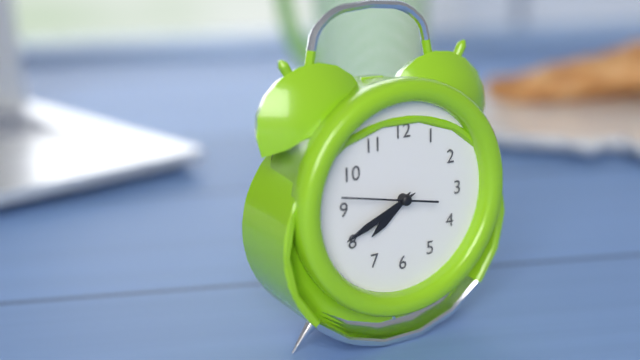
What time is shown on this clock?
7:41:47
